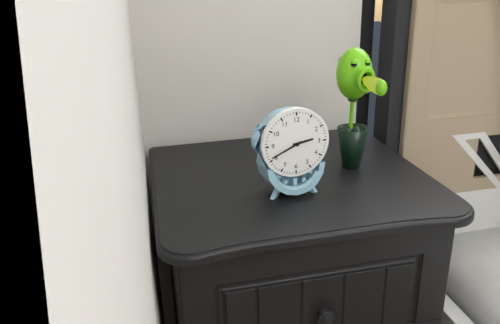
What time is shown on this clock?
2:41
